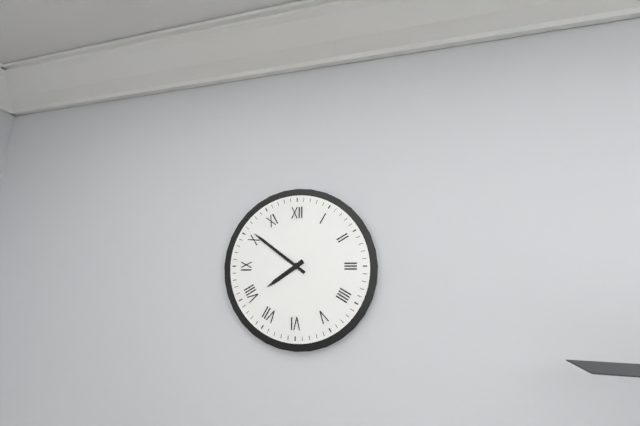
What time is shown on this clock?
7:51
